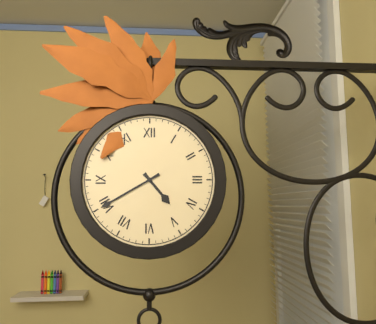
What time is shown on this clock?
4:40
